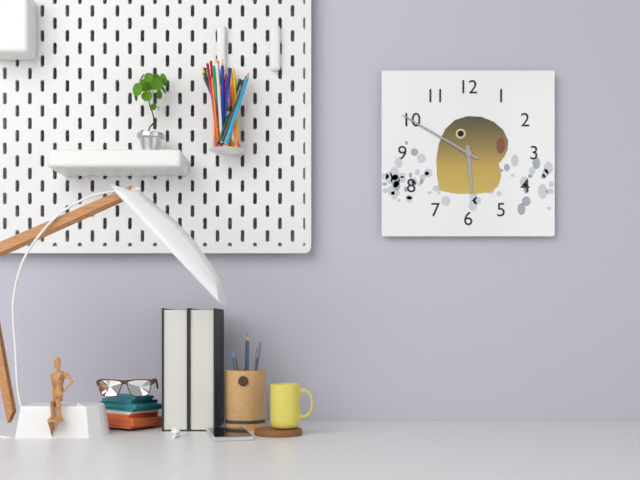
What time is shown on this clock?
5:50
